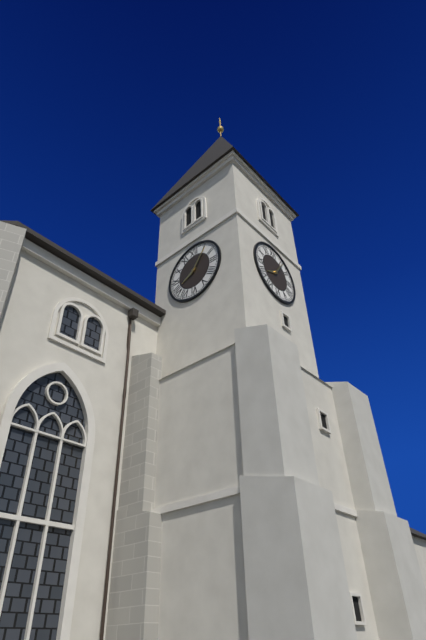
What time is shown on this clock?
8:06
